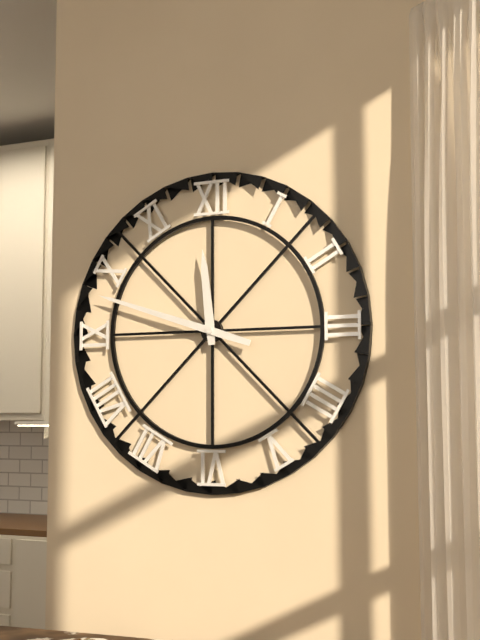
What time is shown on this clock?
11:48
